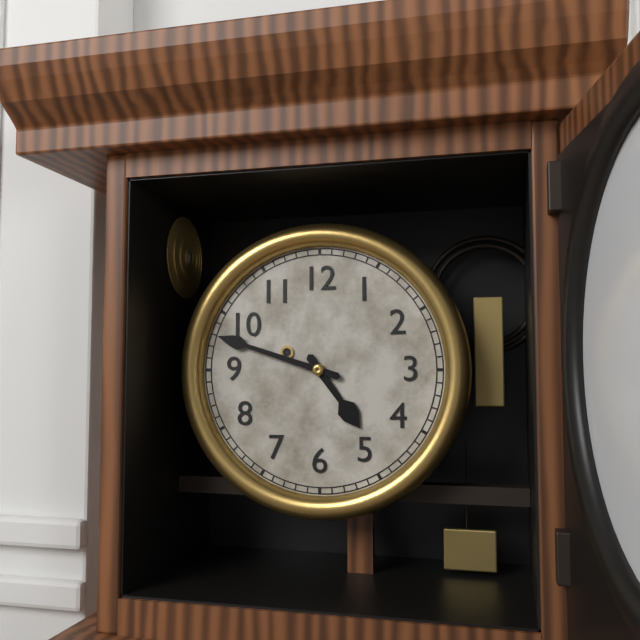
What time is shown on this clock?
4:48
